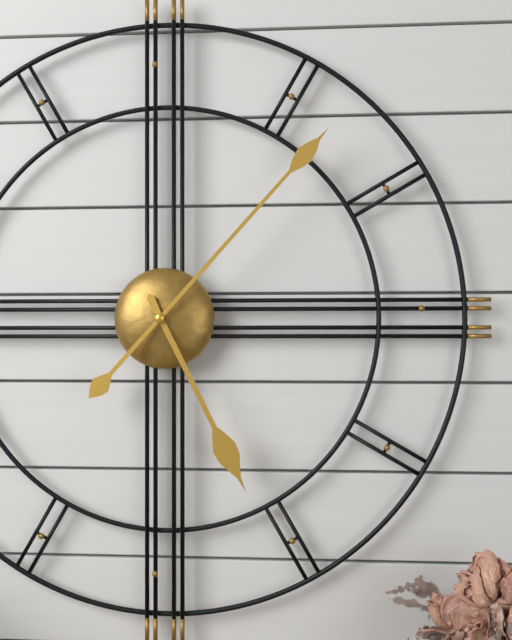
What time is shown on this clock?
5:07
